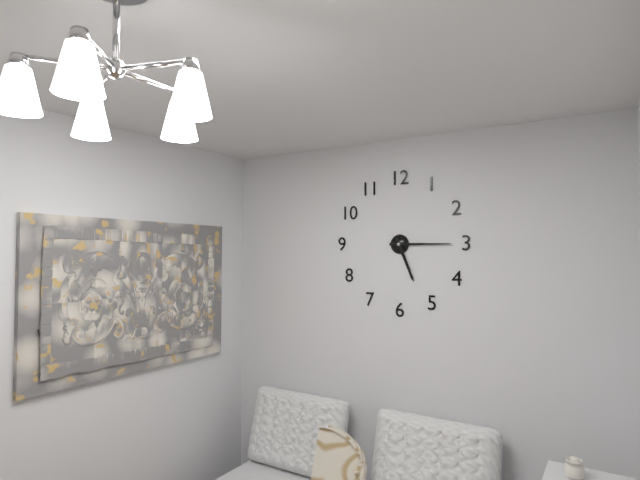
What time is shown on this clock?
5:15
